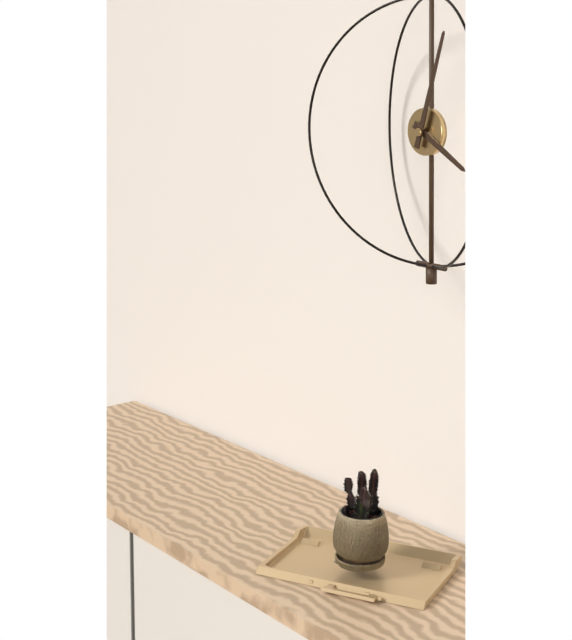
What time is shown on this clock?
4:03
